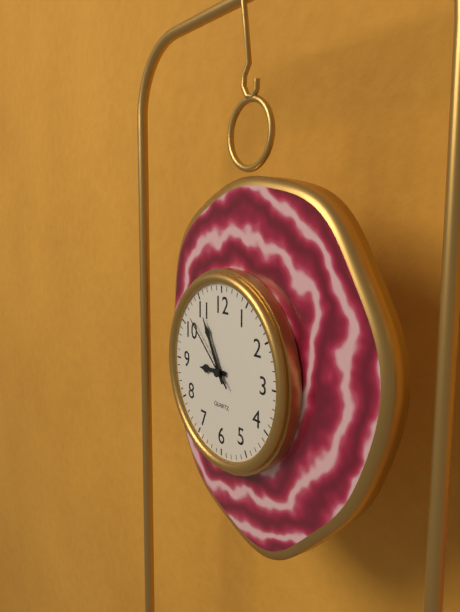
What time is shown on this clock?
8:55:52
